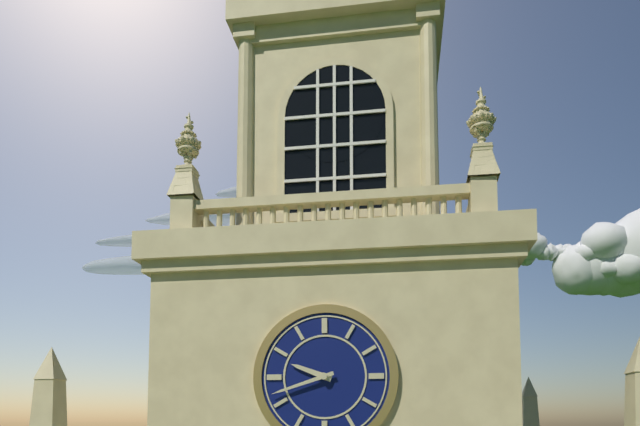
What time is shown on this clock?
9:42
